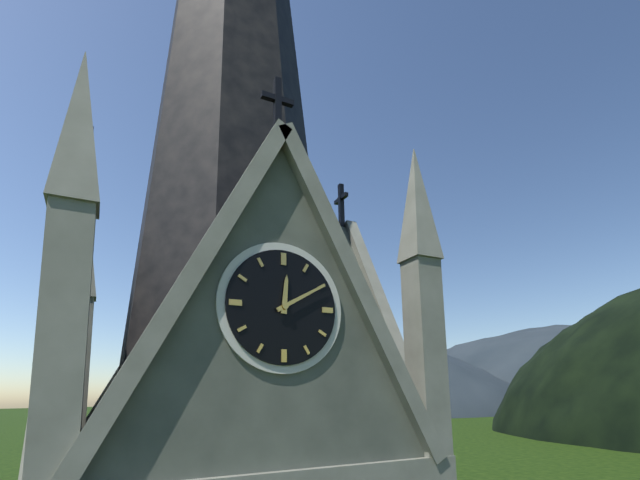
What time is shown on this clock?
12:10
